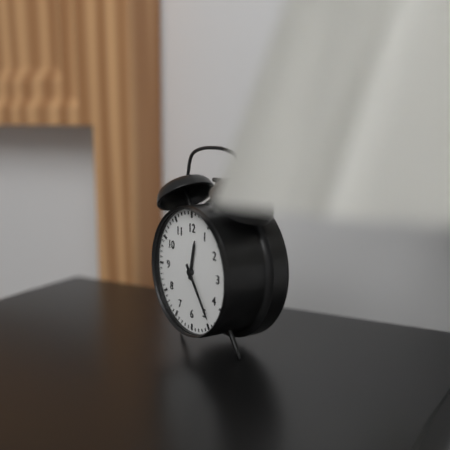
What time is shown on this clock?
12:24
